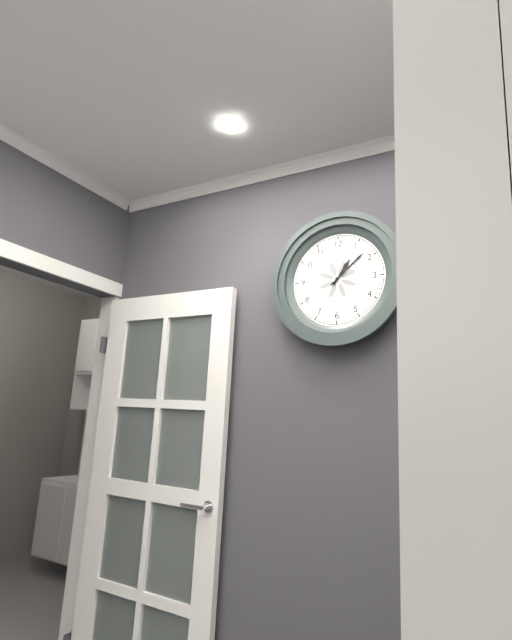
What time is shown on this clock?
1:08
